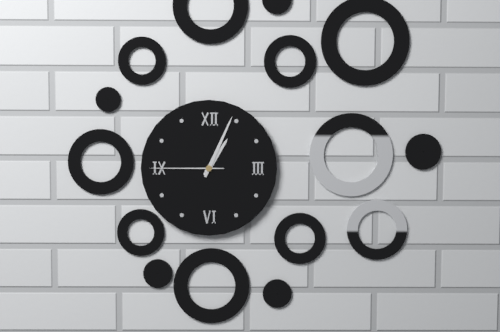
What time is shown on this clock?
1:04:45
